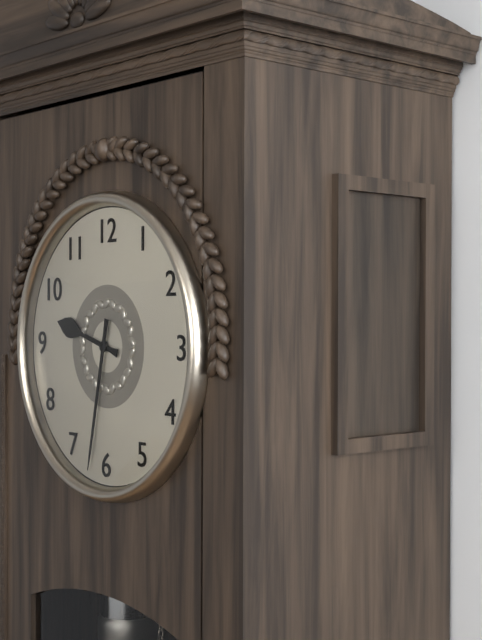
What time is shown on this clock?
9:32
